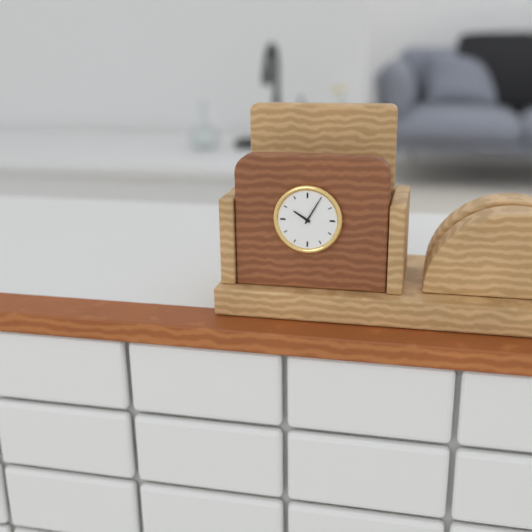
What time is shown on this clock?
10:05
